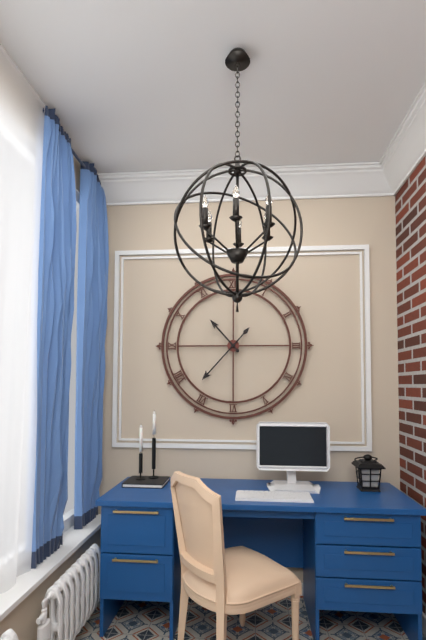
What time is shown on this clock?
10:37
